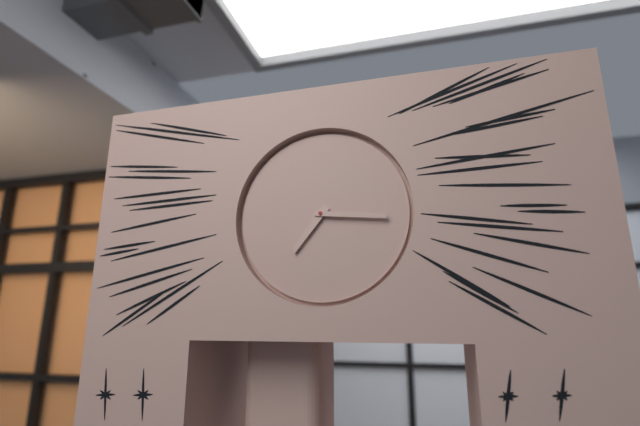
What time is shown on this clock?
7:16
